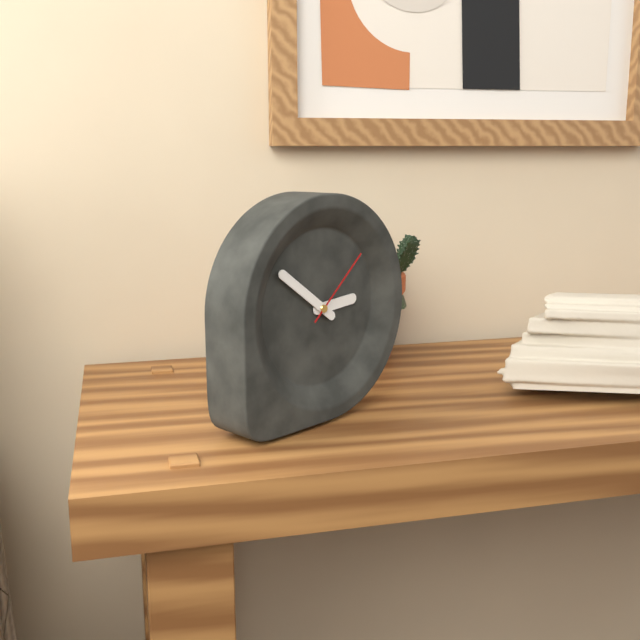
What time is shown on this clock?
2:51:08
